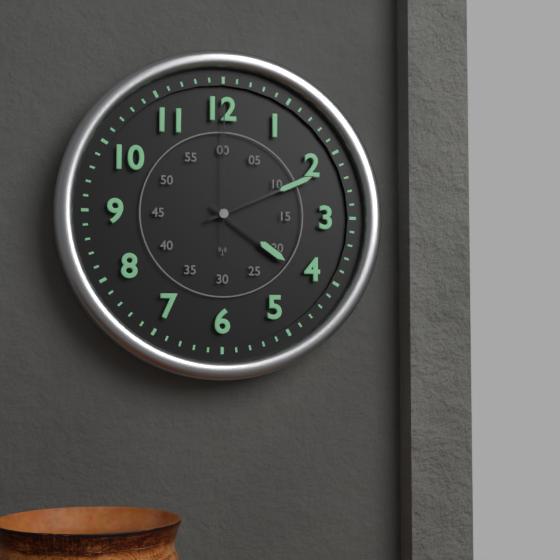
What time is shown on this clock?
4:11:00
